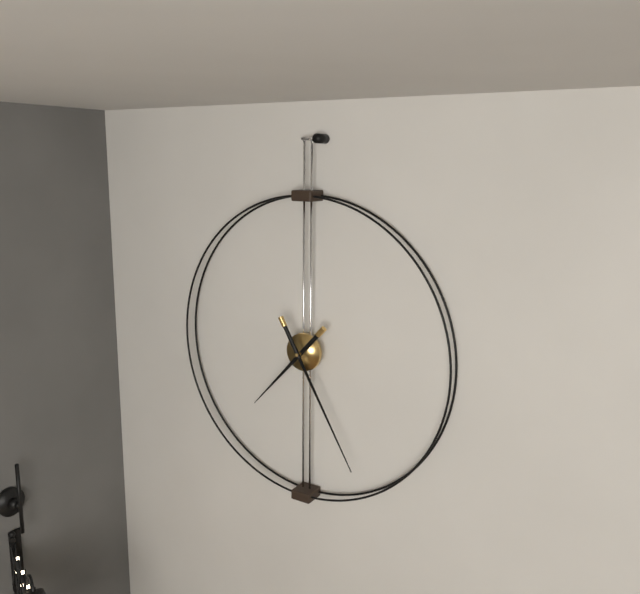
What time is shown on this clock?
7:25
